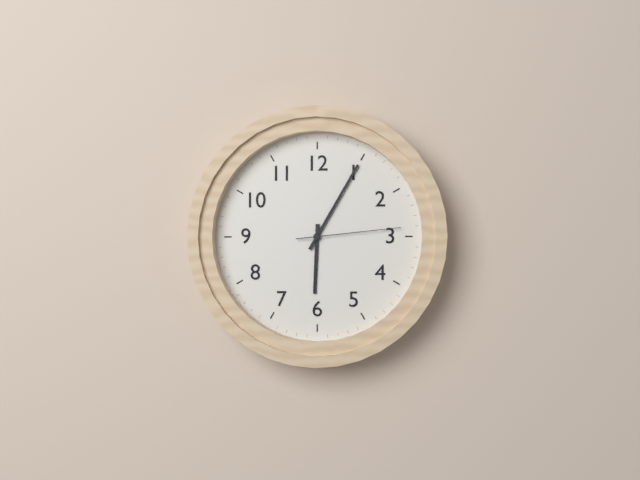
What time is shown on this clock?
6:05:14
